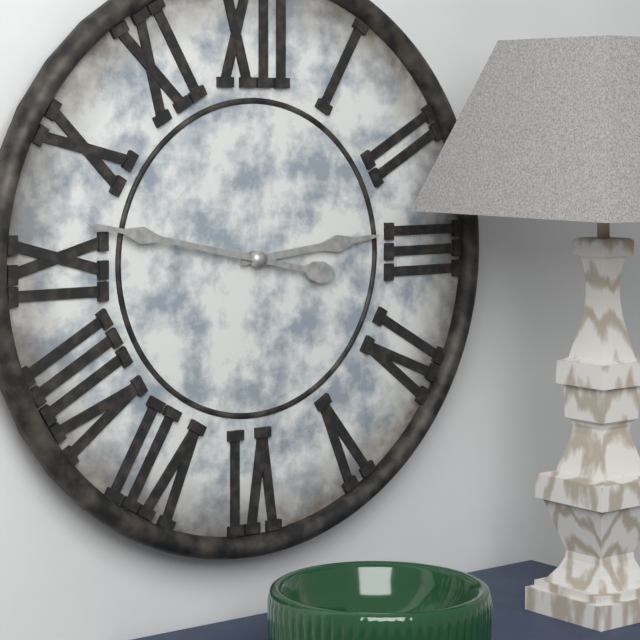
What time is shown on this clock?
2:47
